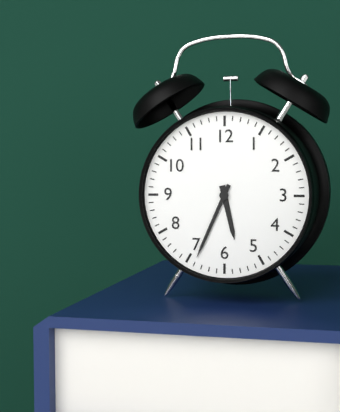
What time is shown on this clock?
5:34
